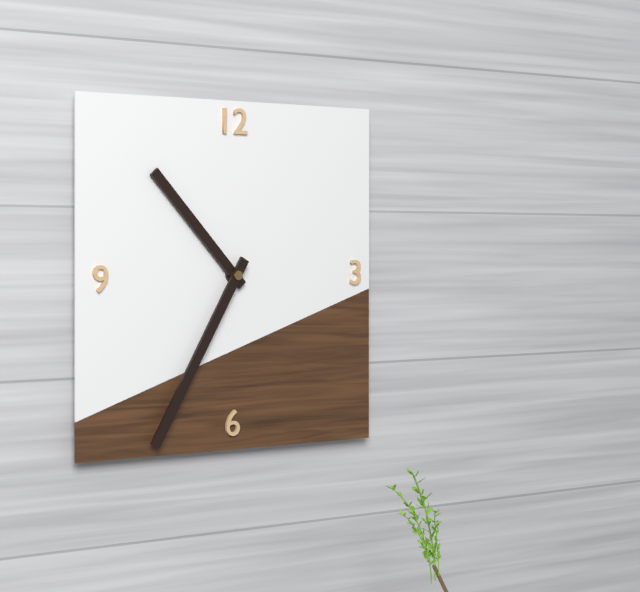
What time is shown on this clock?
10:35
